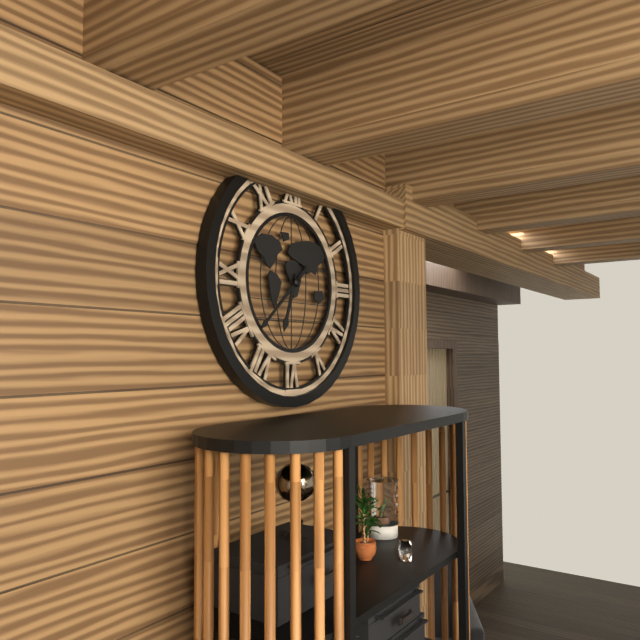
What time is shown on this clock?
6:38
